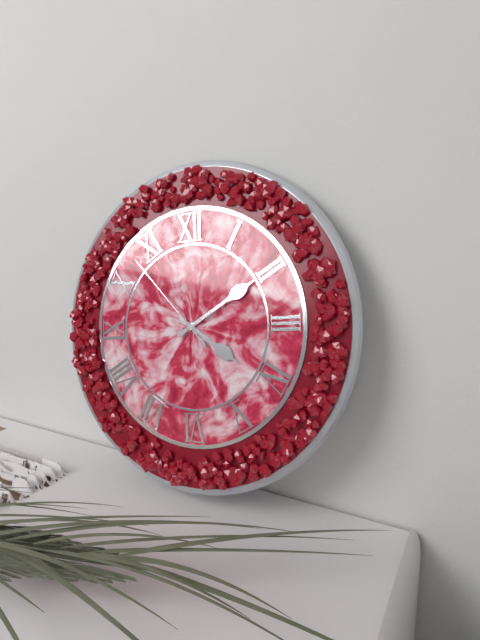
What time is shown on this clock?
4:10:53
